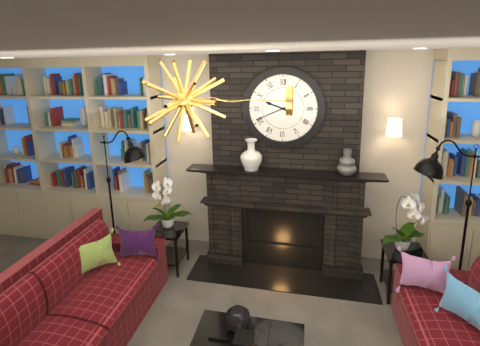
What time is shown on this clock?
9:41
